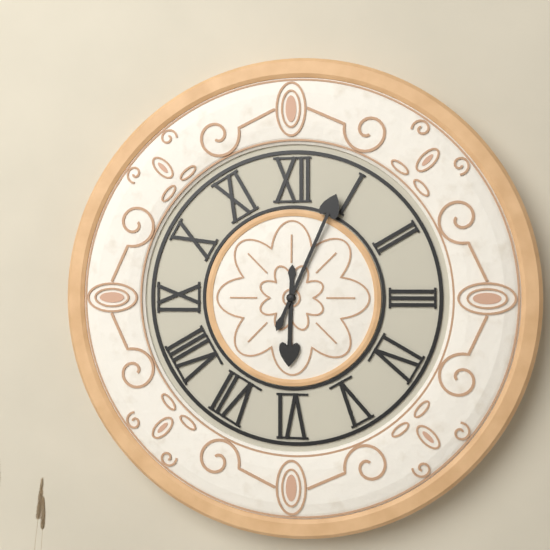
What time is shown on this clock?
6:04
